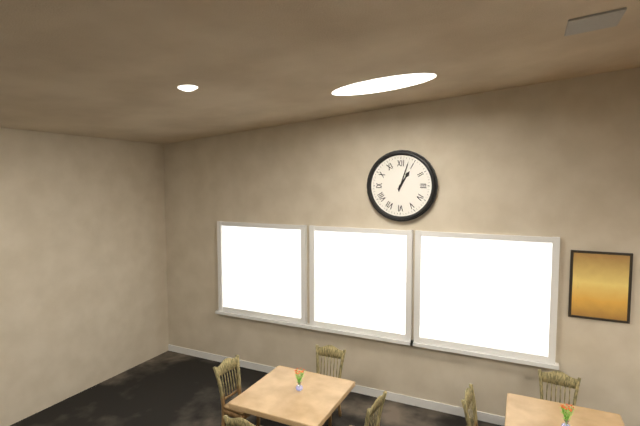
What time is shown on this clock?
1:03
